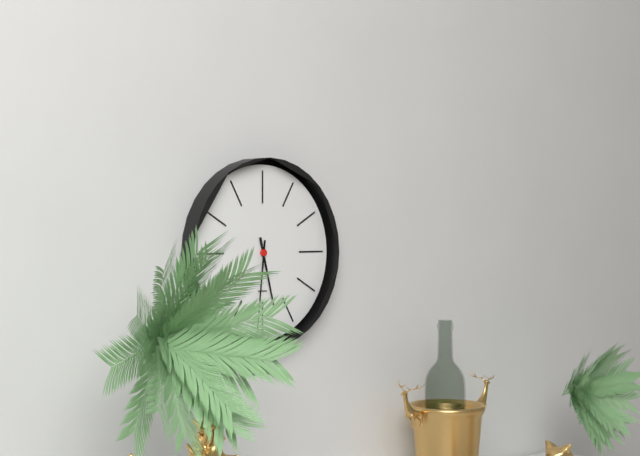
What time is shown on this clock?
5:31
